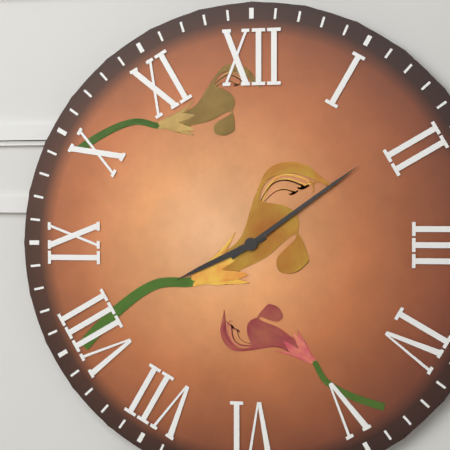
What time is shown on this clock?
8:09
